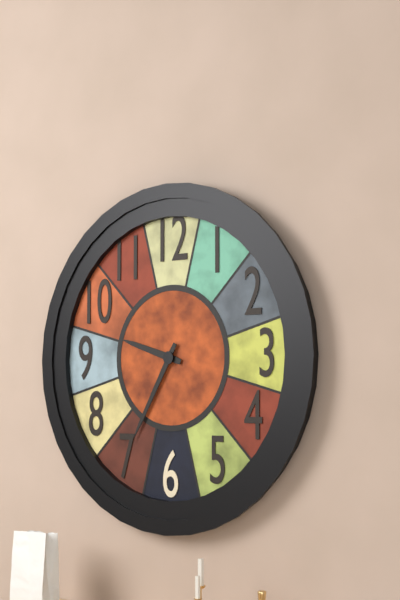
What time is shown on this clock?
9:35
